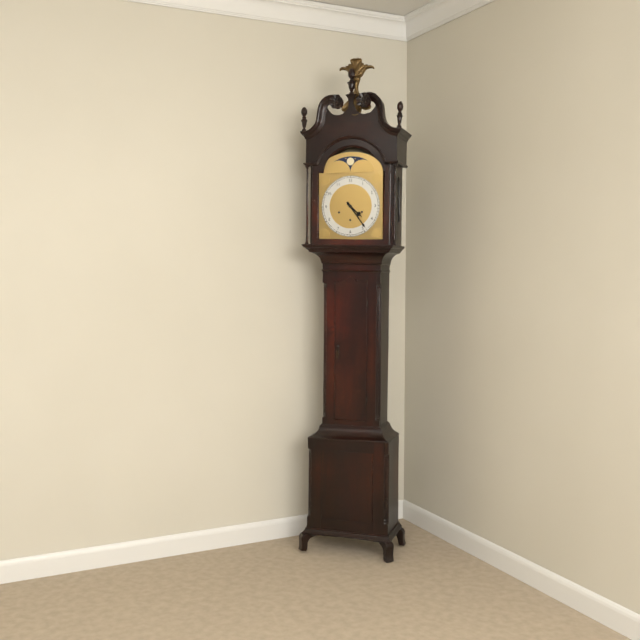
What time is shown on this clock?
4:24
